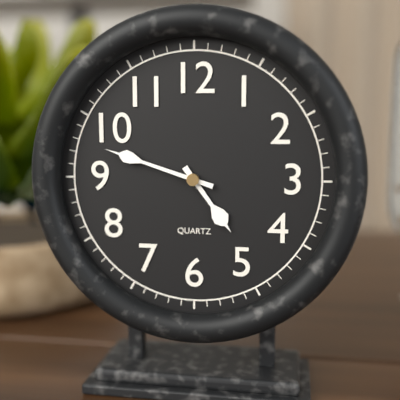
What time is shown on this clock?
4:48
